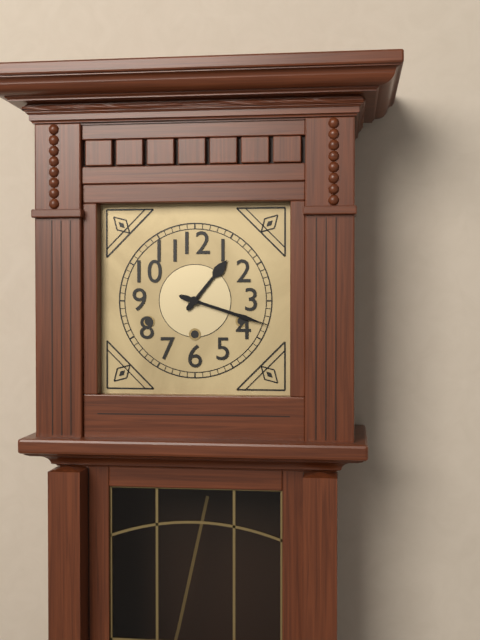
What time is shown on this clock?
1:18
